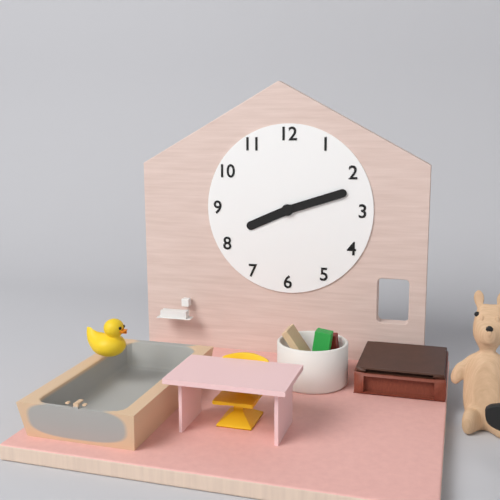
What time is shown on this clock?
8:12
